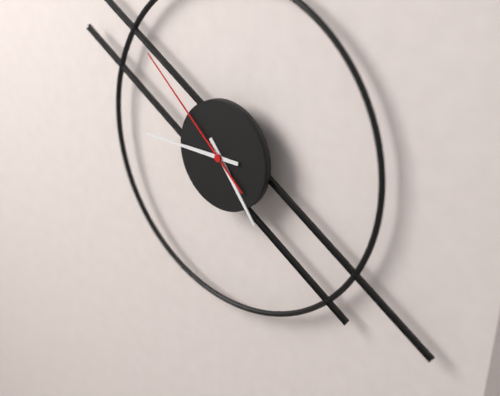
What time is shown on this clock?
4:45:52
